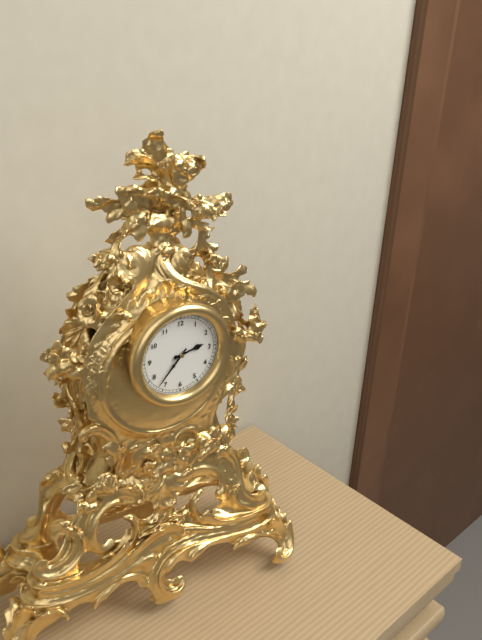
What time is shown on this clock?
2:37
